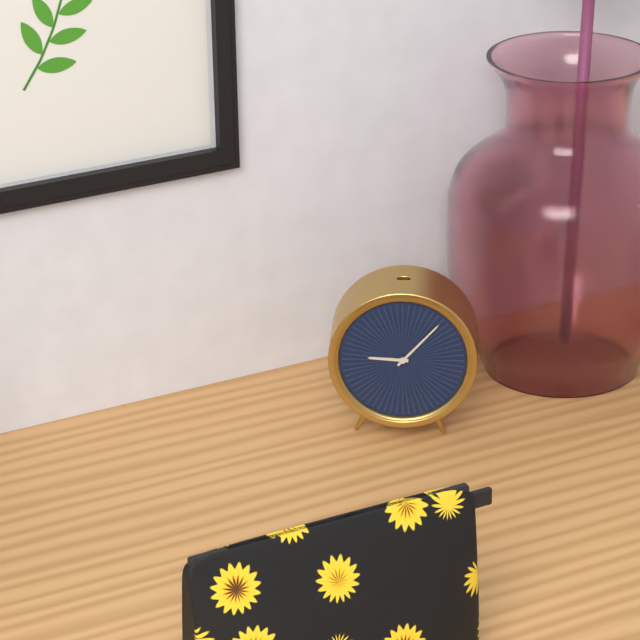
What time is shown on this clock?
9:07
